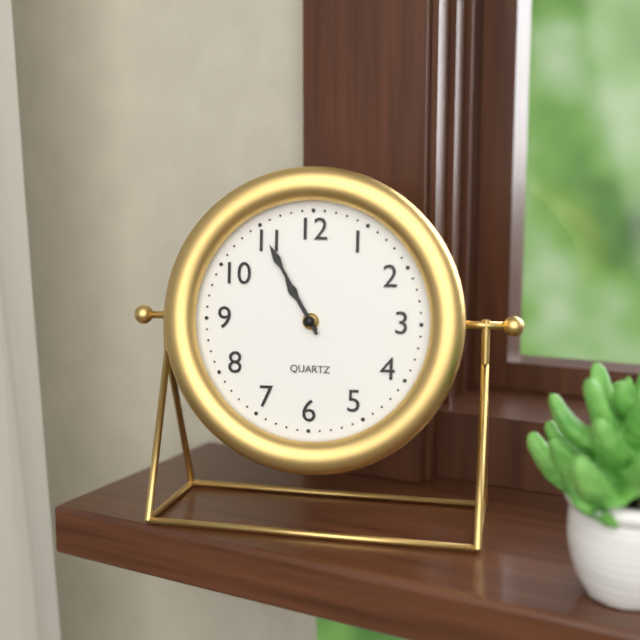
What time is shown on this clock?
10:55
